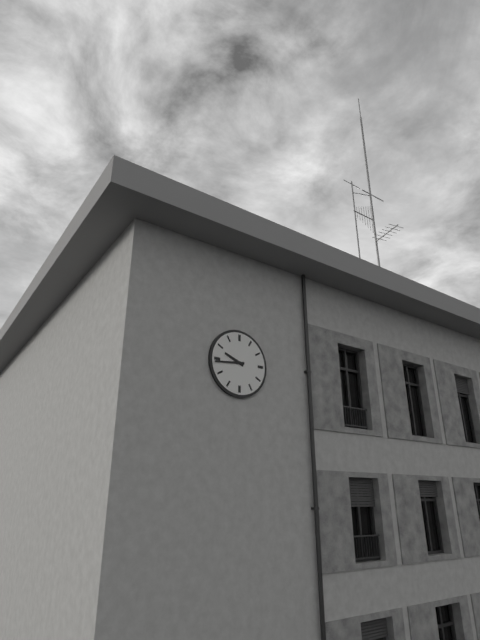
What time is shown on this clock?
9:44
